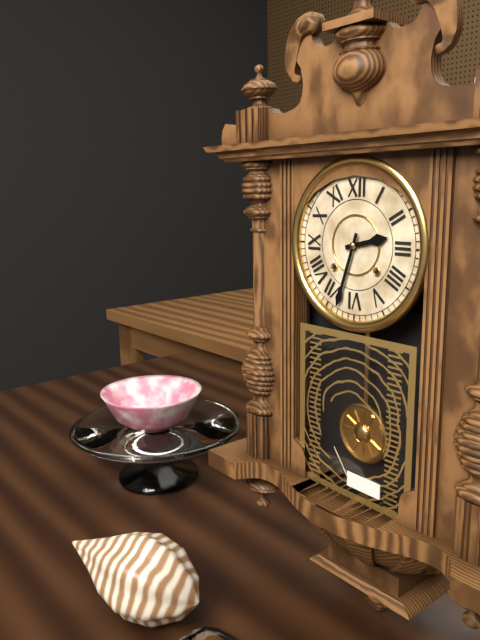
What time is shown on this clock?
2:33
